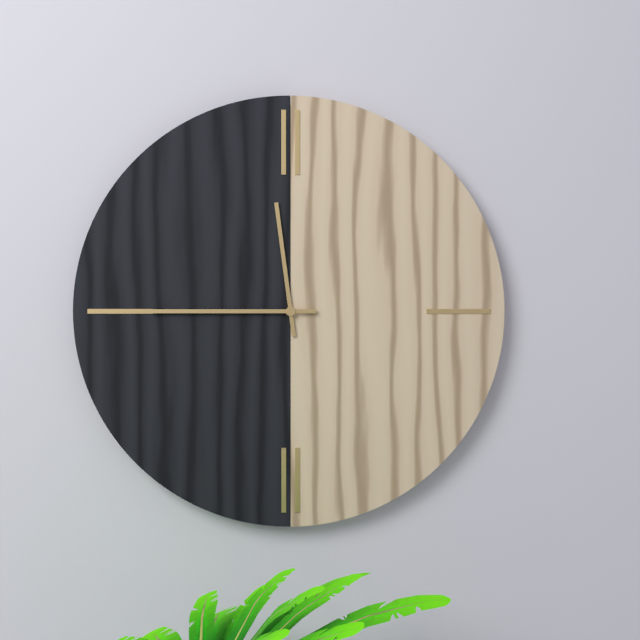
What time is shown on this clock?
11:45
